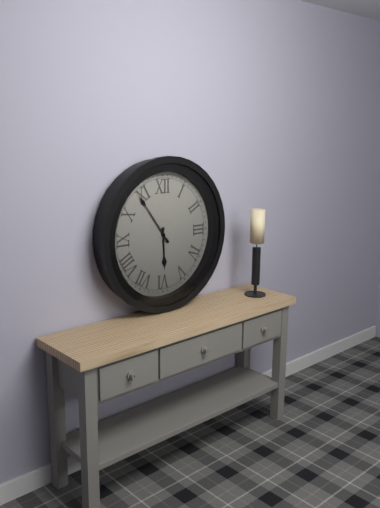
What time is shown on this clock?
5:54
